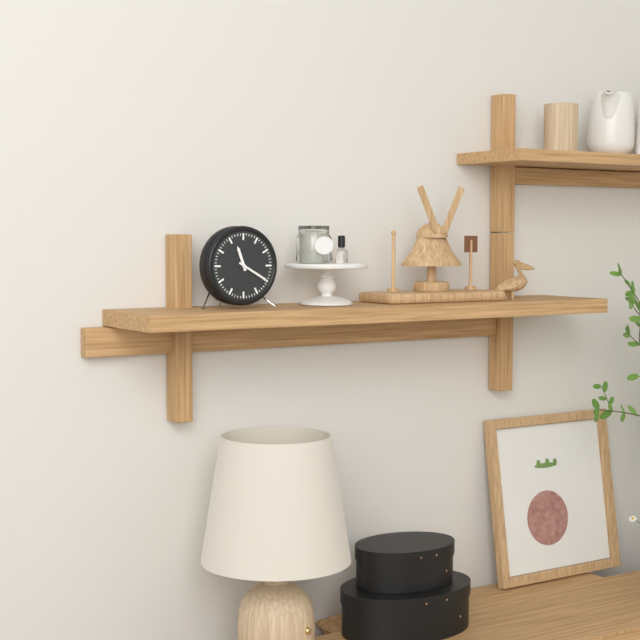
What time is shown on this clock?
11:20
